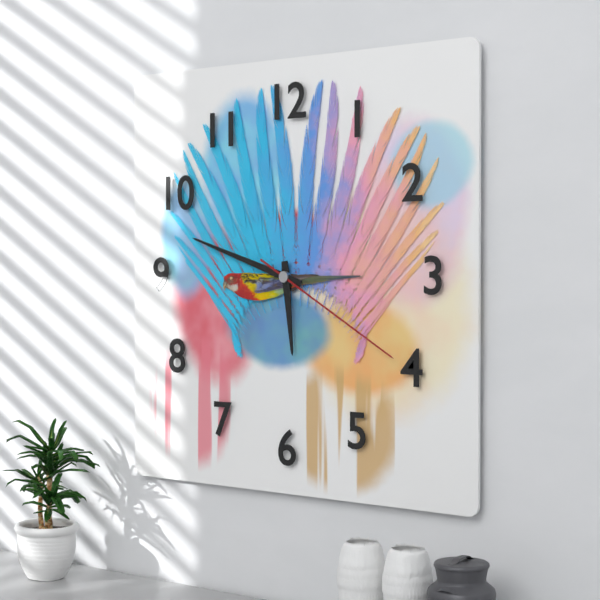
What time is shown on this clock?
5:48:20
